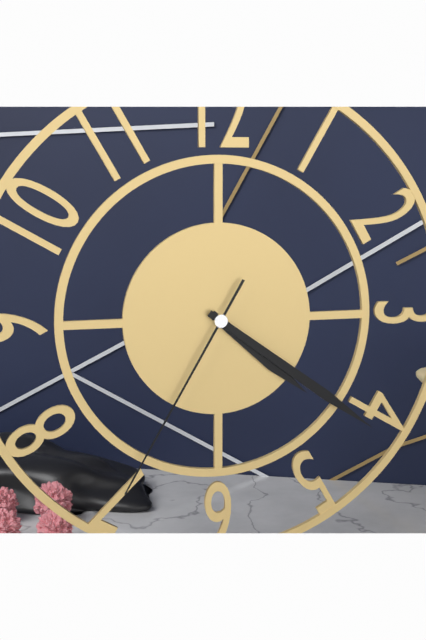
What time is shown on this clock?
4:21:35
